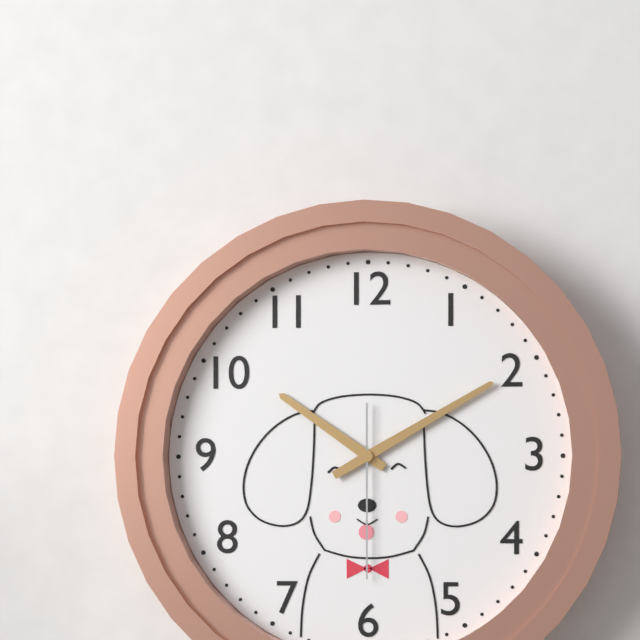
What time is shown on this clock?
10:10:30
